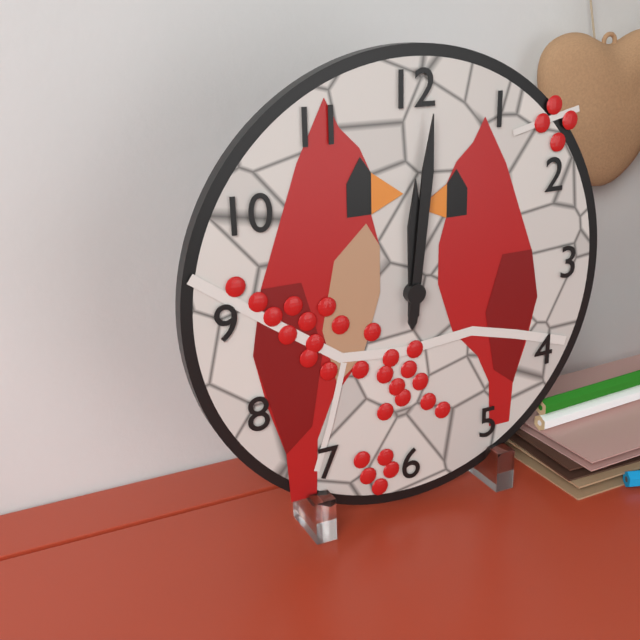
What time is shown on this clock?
12:01
